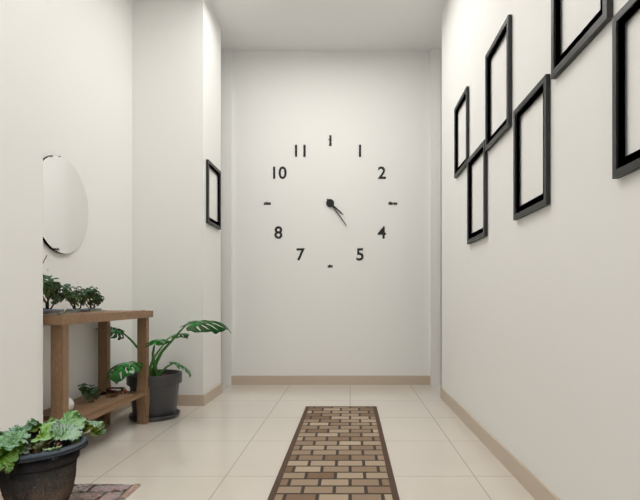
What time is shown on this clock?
4:24
